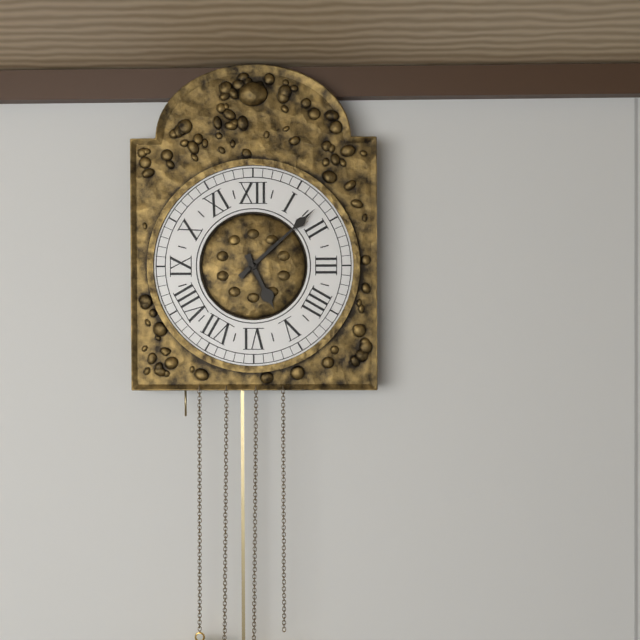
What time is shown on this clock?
5:08
